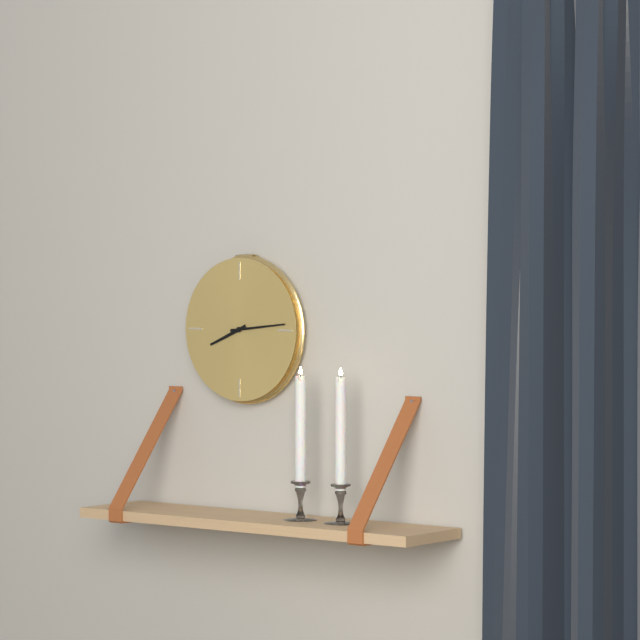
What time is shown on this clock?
8:14
